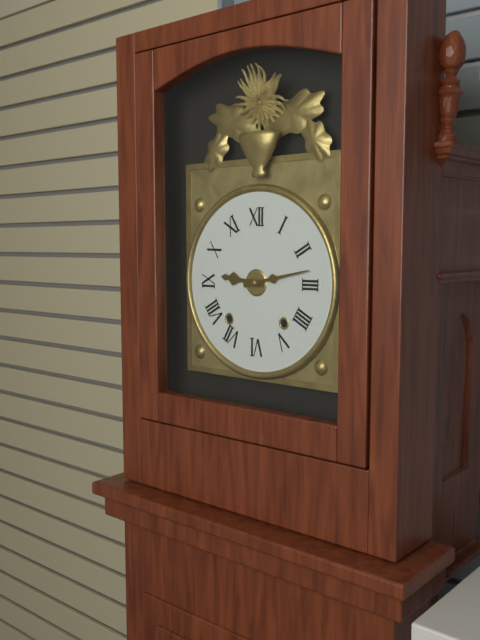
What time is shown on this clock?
9:13
